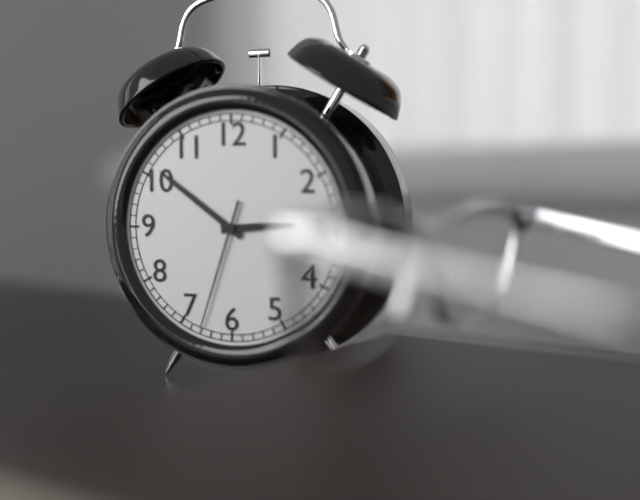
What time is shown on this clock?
2:51:33
